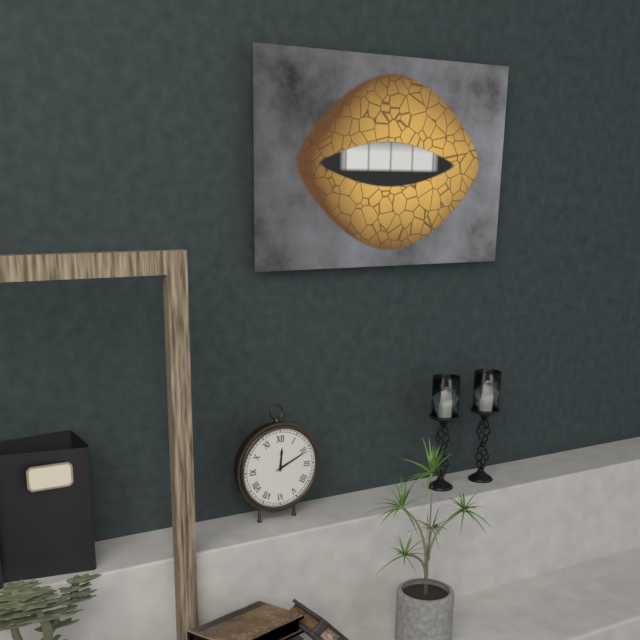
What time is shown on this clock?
12:11
